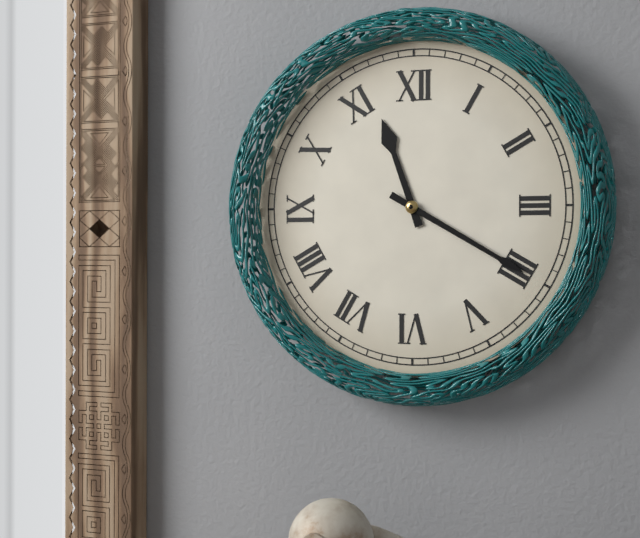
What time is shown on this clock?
11:20
